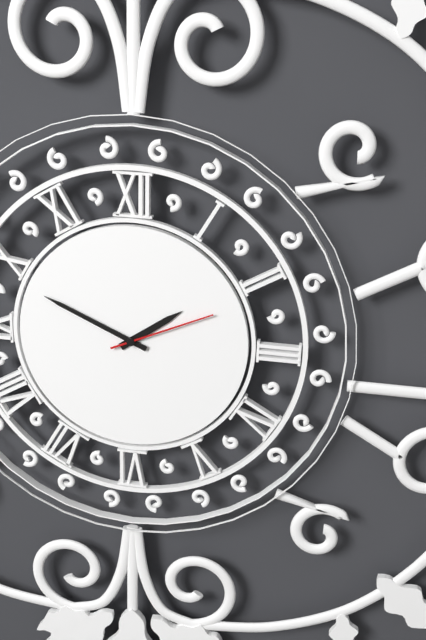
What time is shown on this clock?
1:49:11
